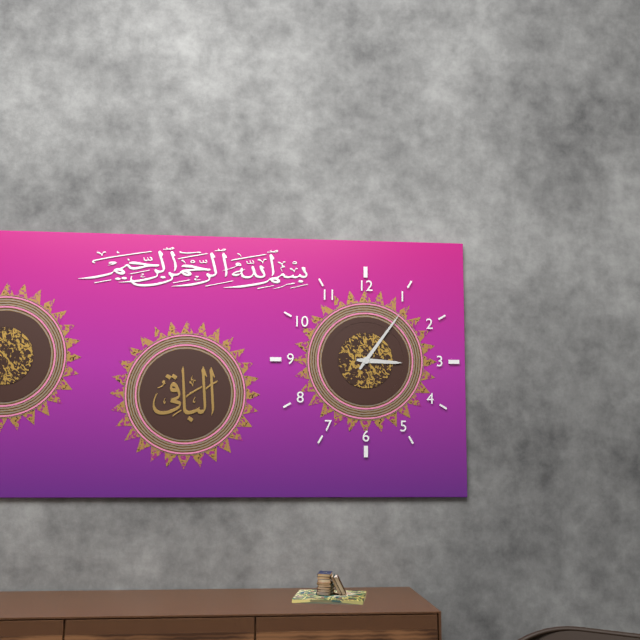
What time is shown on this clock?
3:06
